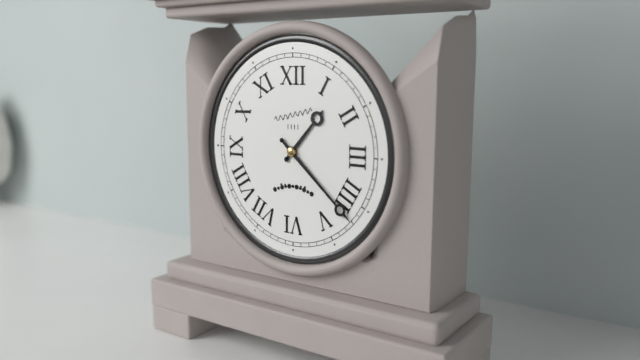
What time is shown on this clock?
1:22
